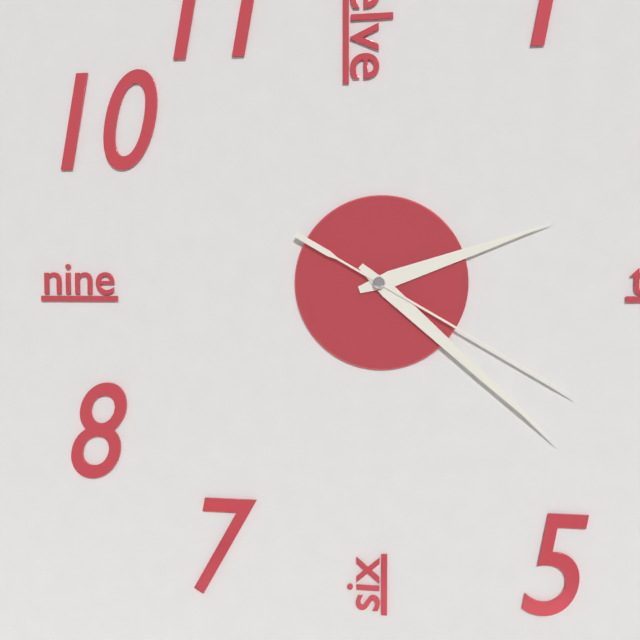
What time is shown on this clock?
2:22:20
